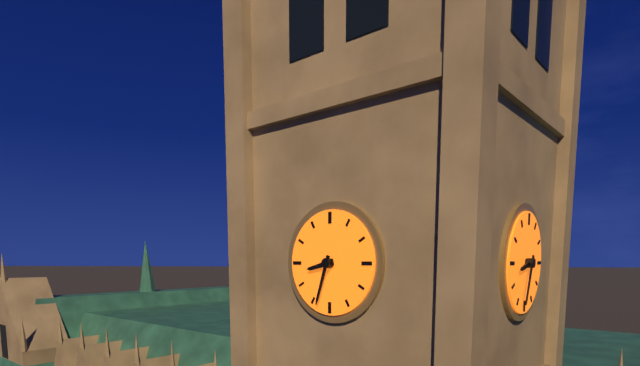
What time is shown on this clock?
8:33
